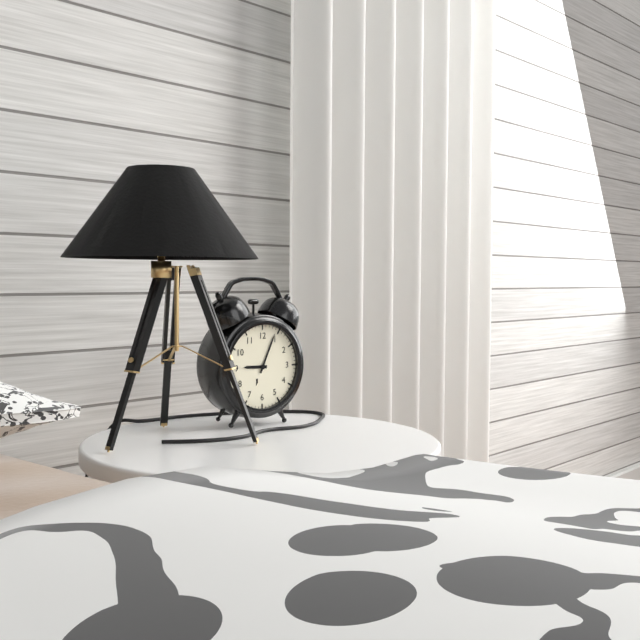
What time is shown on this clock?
9:04
